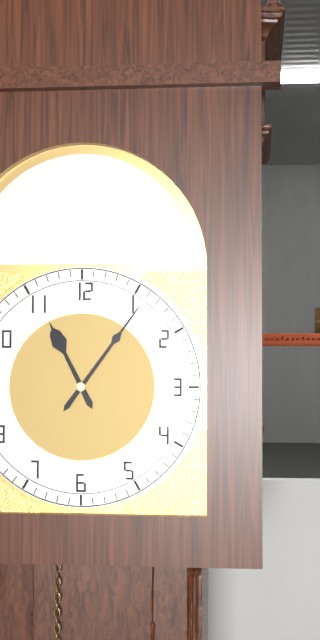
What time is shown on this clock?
11:06
